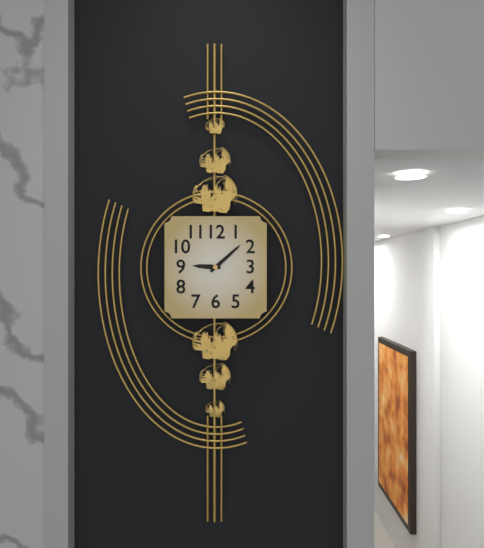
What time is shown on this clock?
9:08
